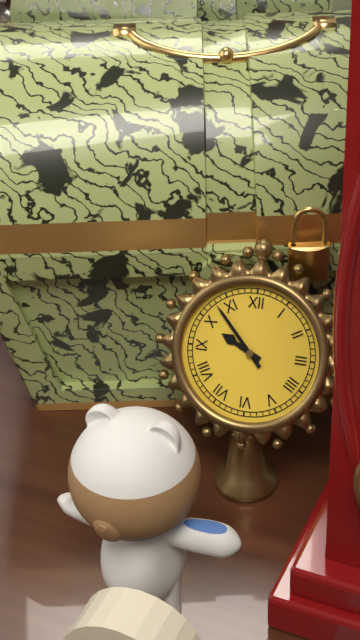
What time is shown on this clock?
9:53
